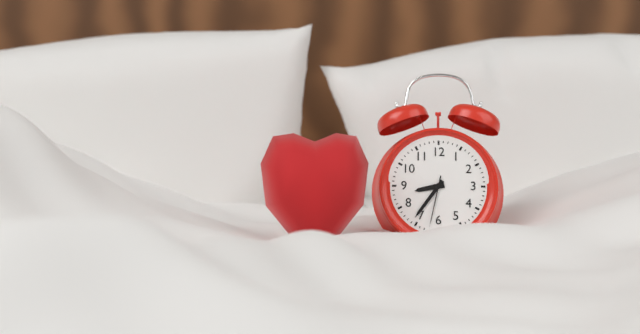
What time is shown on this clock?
8:36:32
